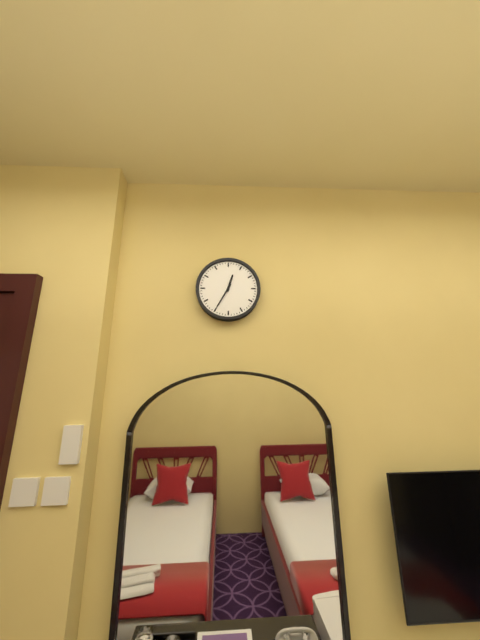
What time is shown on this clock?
12:35
